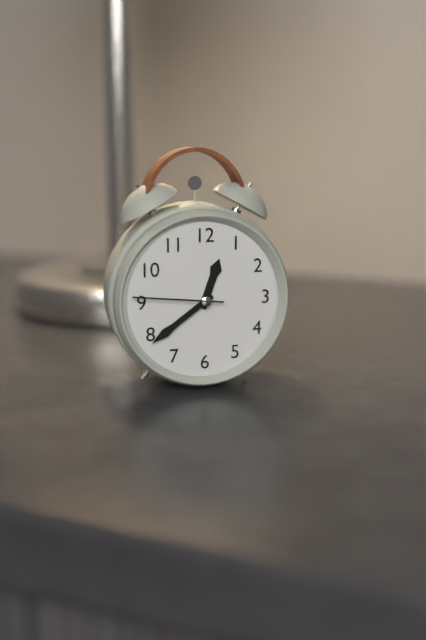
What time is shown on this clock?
12:39:46
